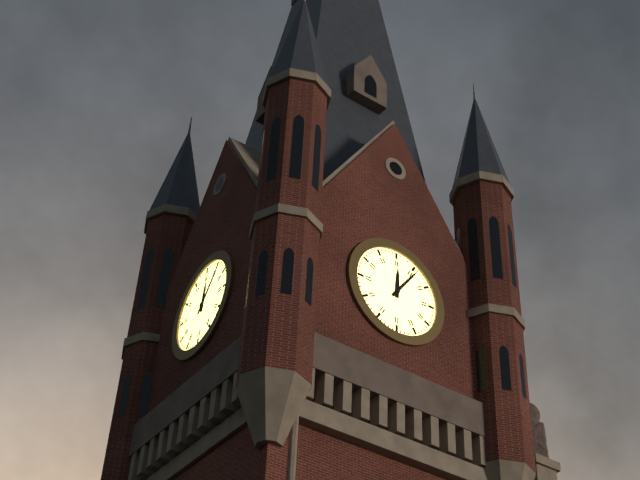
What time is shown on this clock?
12:06
